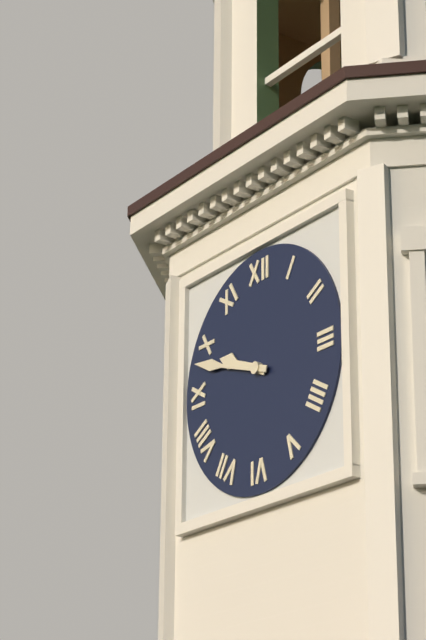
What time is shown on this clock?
9:48
